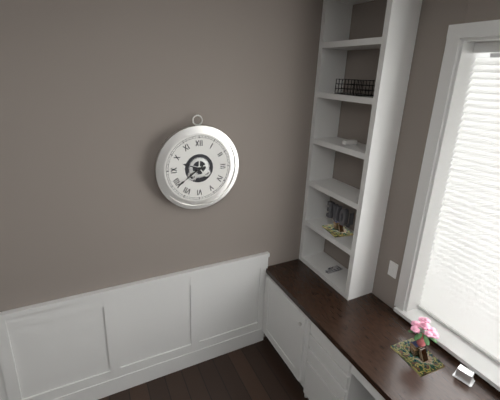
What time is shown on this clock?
9:39
